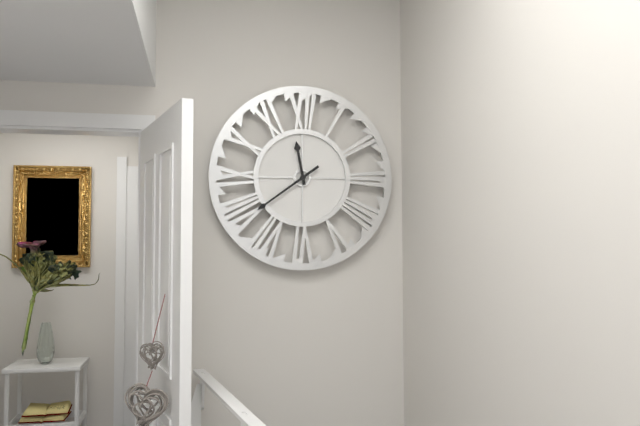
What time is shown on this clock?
11:39
